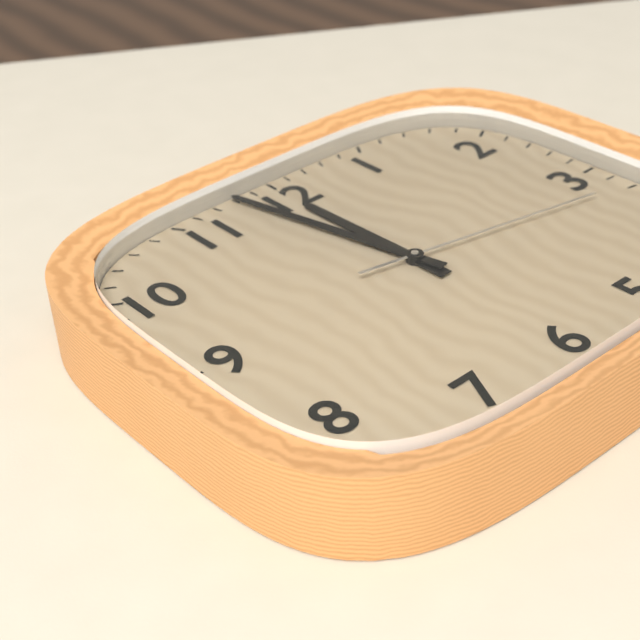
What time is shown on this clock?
11:58:17
